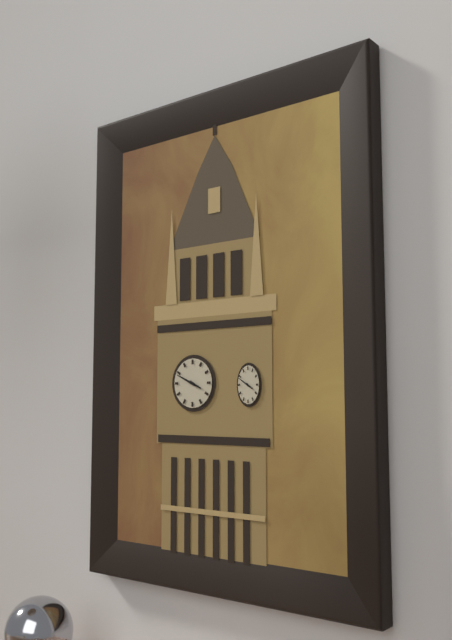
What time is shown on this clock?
3:49
